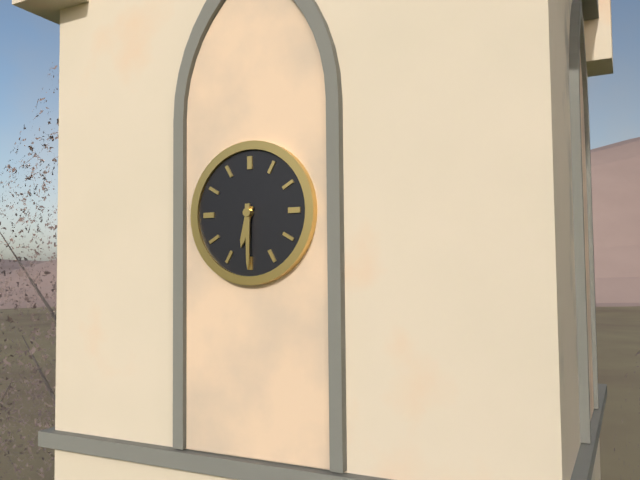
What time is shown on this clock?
6:30
